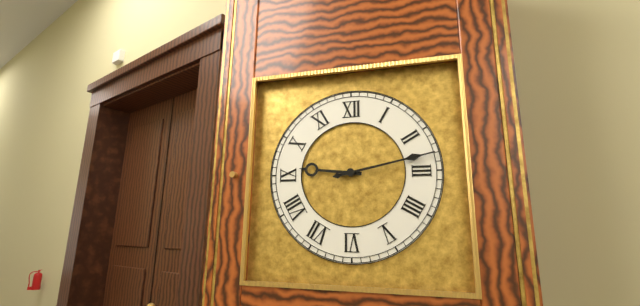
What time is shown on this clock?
9:13
